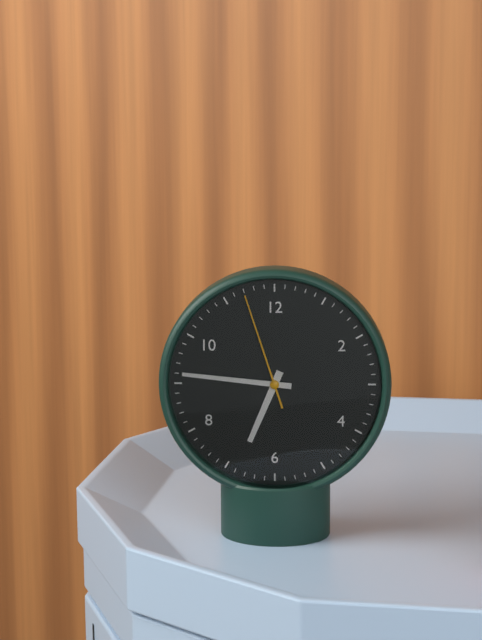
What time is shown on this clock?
6:46:57
